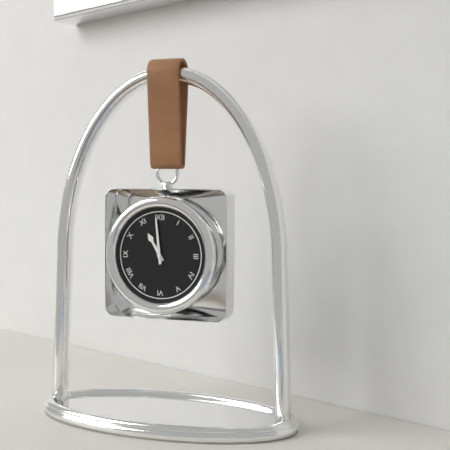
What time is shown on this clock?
10:59
